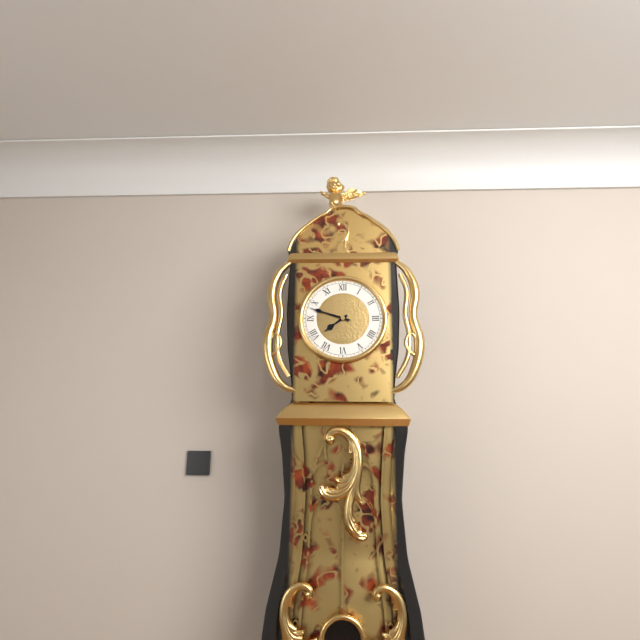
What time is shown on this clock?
7:48
